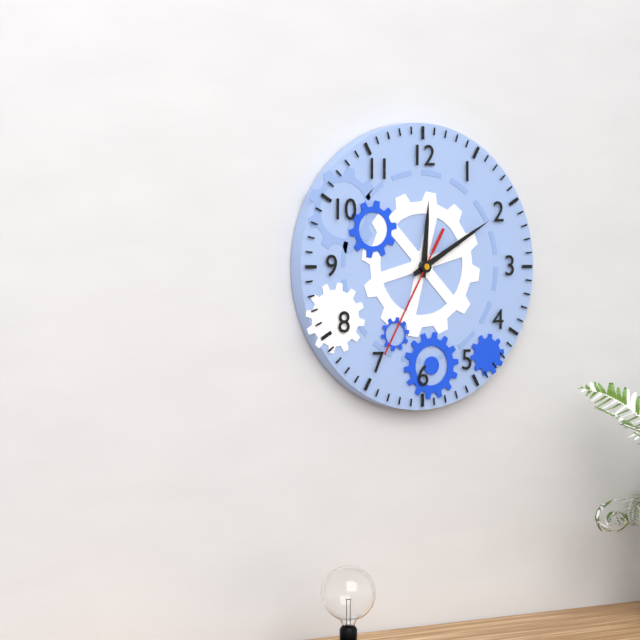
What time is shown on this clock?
12:10:35
